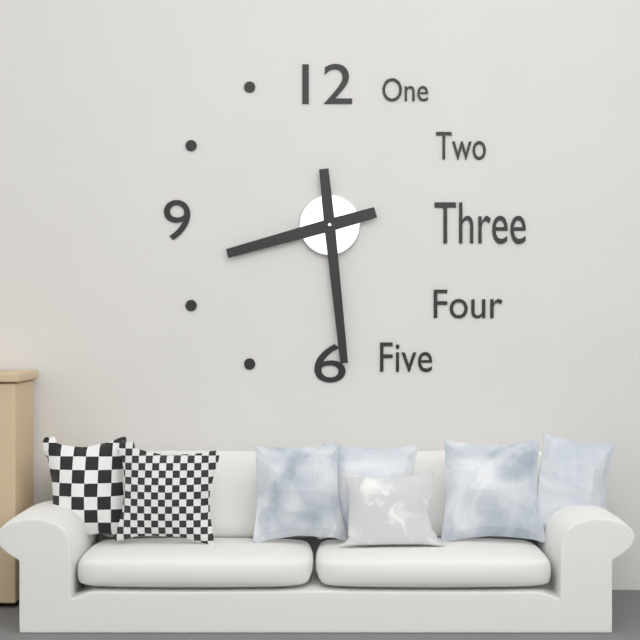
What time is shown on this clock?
8:29
